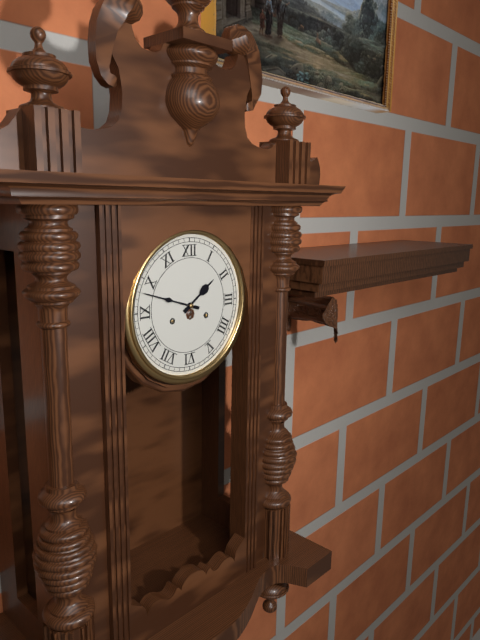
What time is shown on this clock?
1:48
